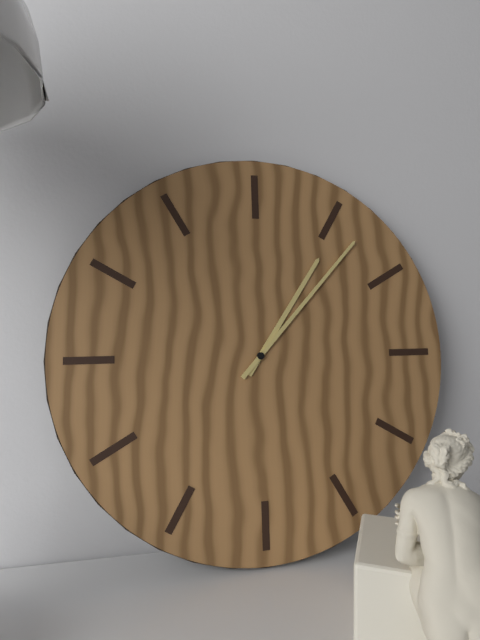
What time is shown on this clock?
1:07
